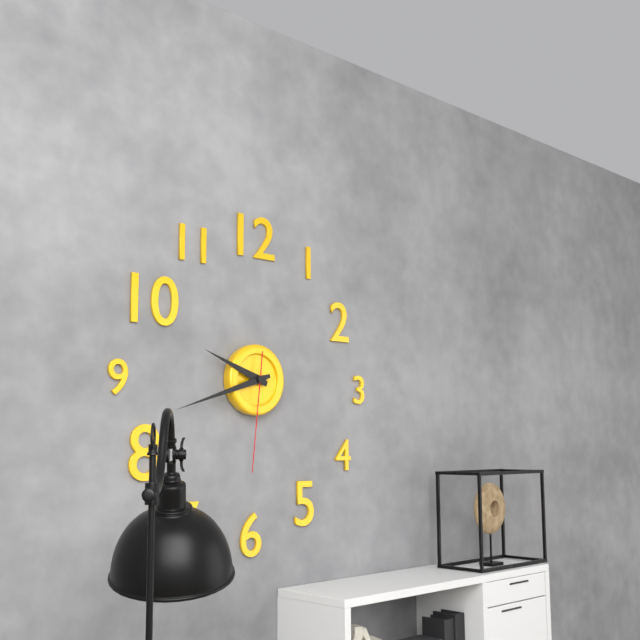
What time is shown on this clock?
9:42:31
